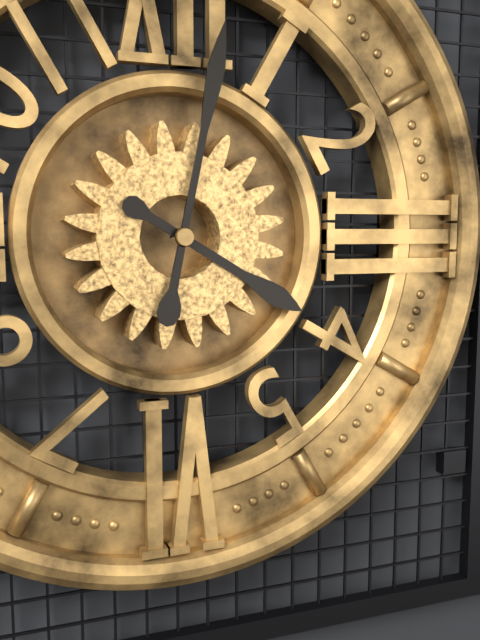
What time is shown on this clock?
4:02
